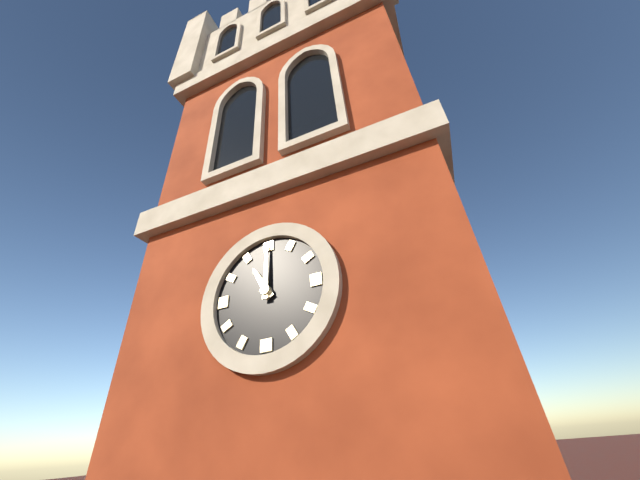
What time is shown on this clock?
11:00
